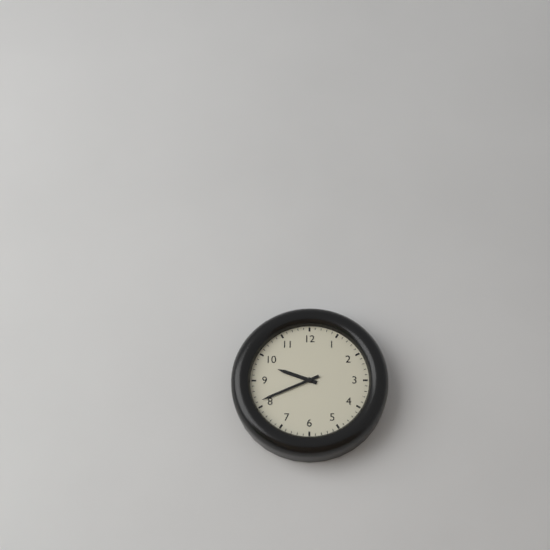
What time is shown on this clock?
9:41
